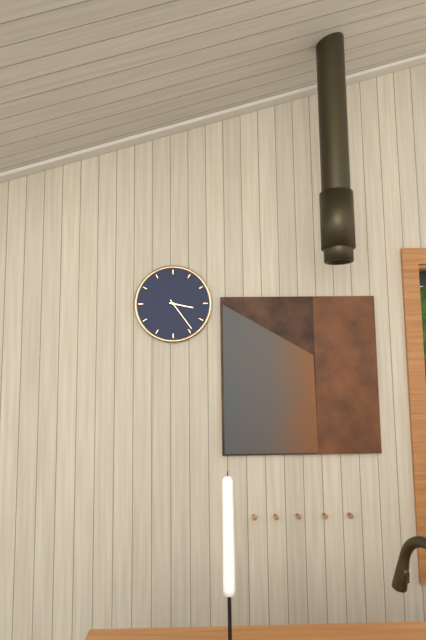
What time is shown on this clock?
3:24
